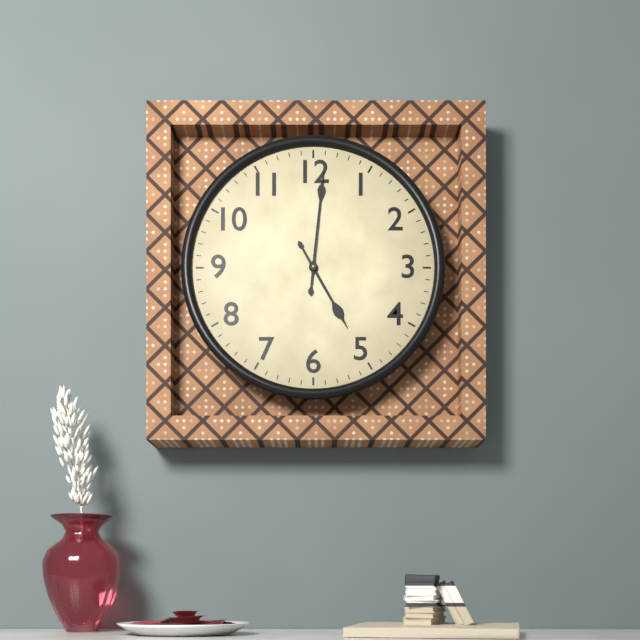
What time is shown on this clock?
5:01
